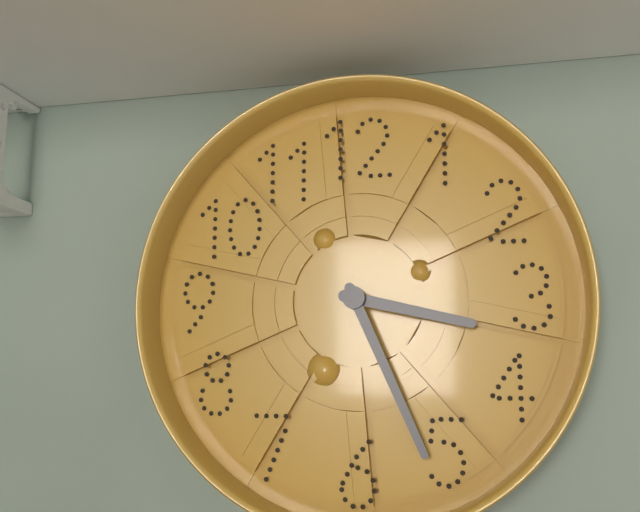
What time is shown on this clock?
3:26
